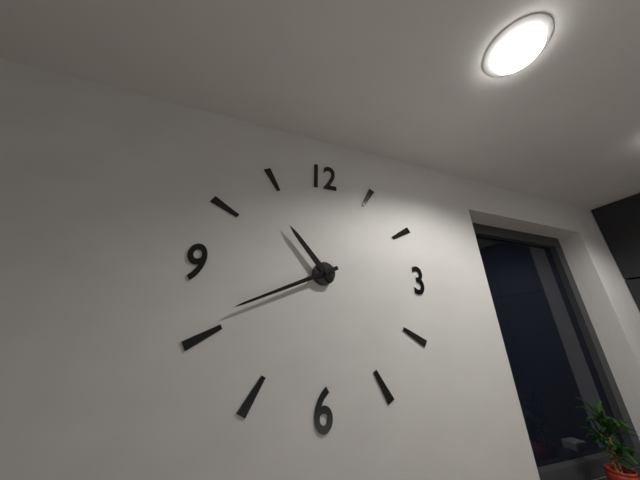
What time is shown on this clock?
10:41
